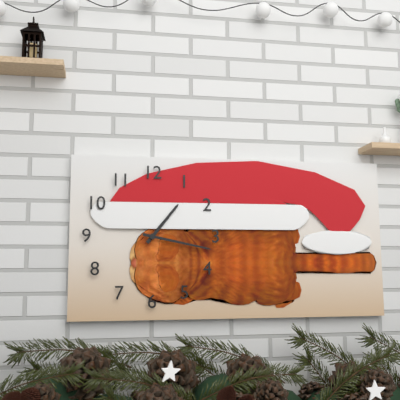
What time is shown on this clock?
1:17
